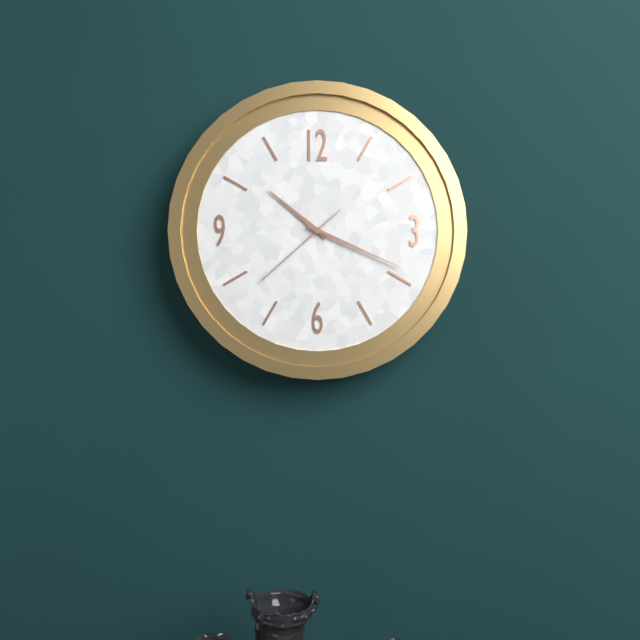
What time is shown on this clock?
10:19:38
